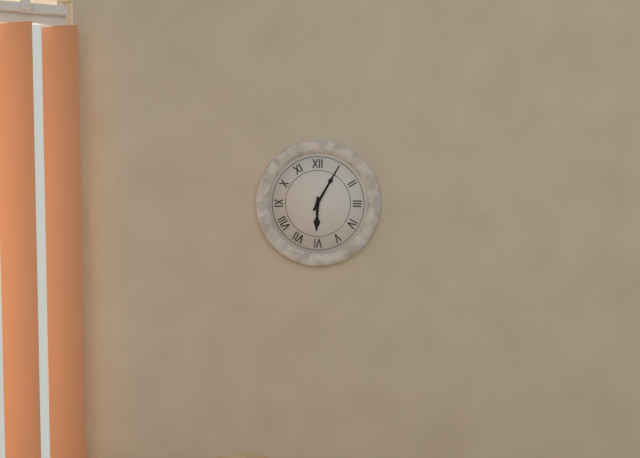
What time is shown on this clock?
6:05
